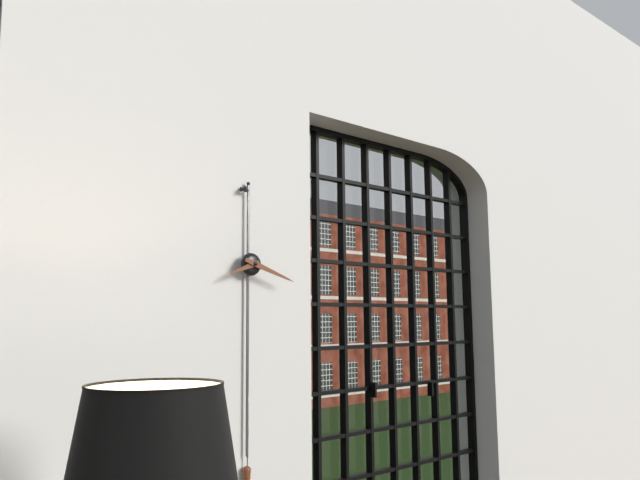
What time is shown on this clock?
8:18
